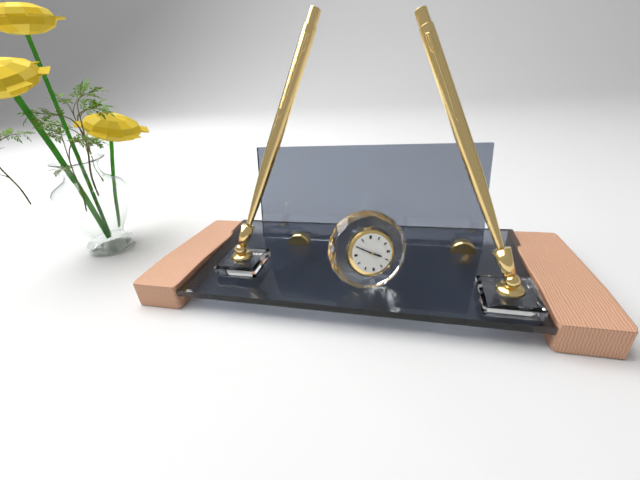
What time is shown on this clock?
3:50
